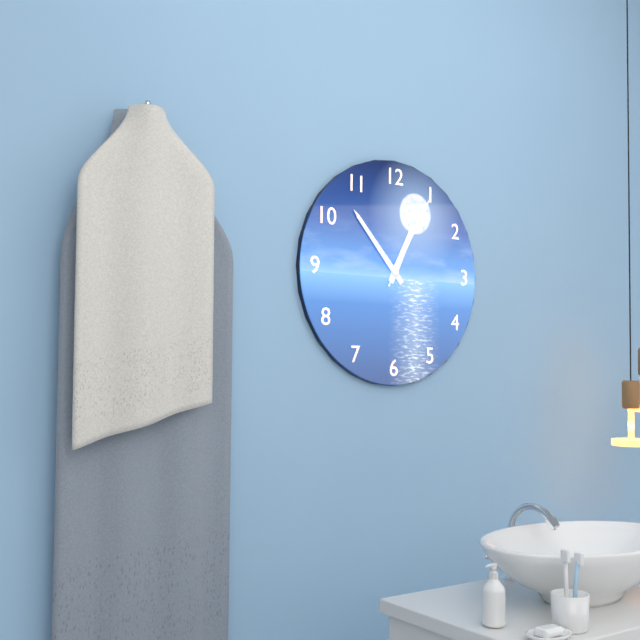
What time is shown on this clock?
12:53:05
